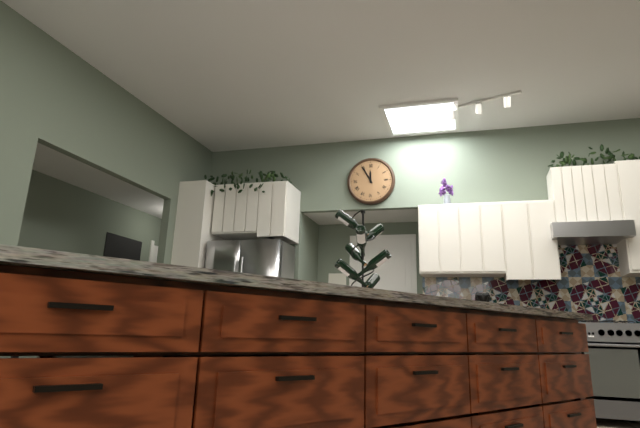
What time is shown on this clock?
11:55
